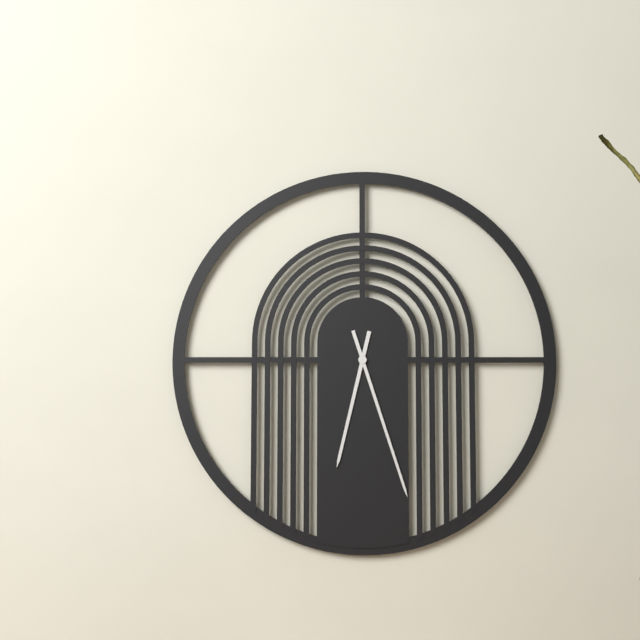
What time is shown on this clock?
6:27
